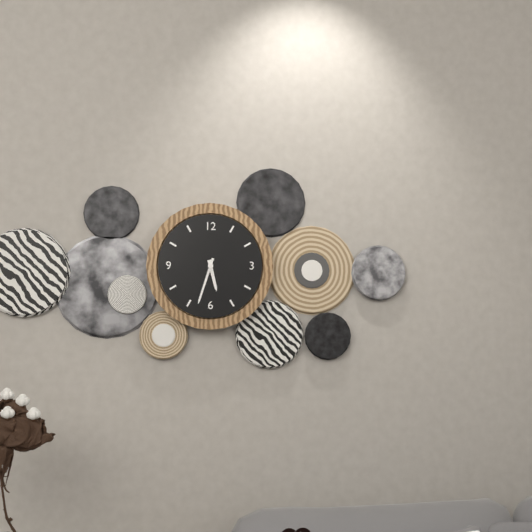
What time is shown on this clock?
5:33
